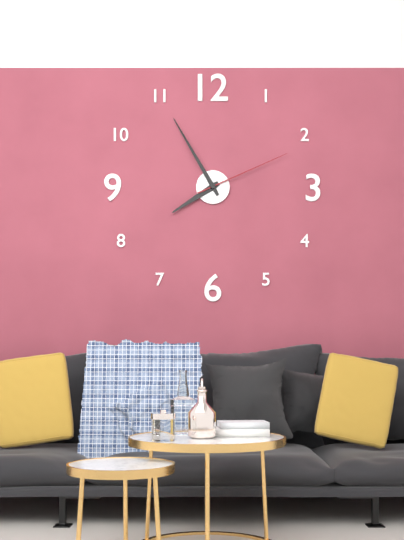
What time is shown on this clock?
7:55:11
